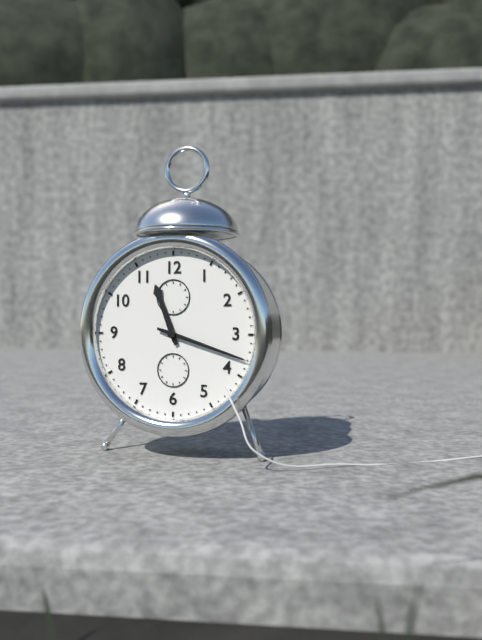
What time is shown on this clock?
11:18
